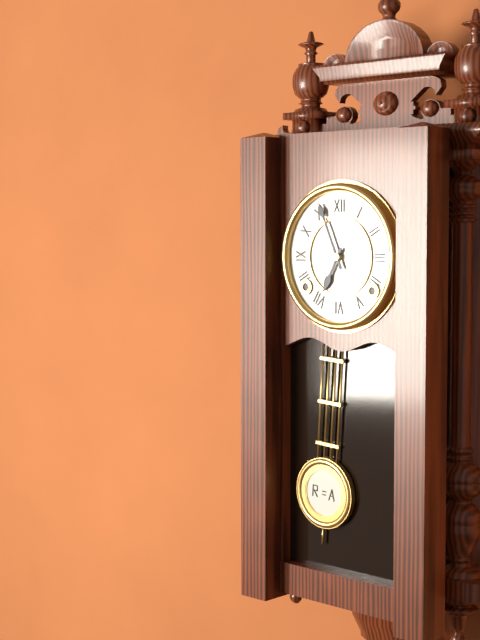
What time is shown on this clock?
6:56
